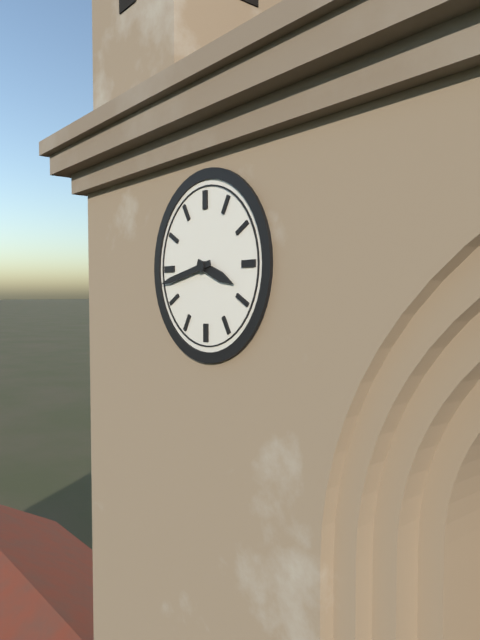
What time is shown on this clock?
3:43
